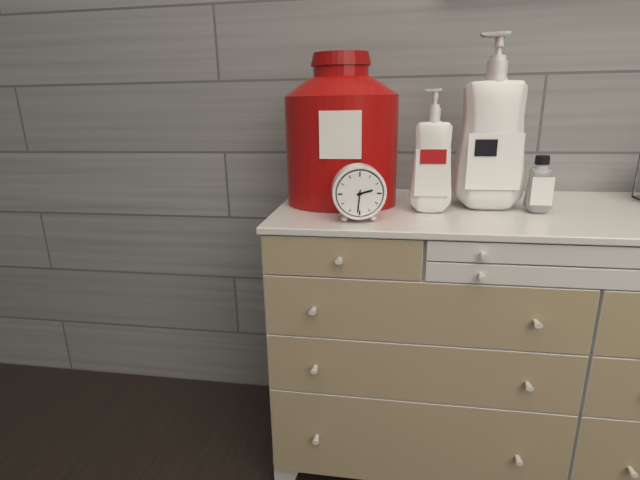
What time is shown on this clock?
2:31
